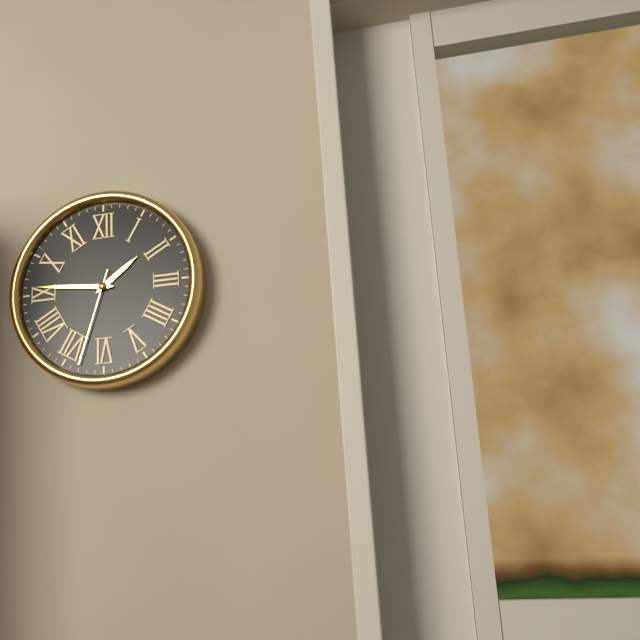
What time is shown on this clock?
1:46:33
